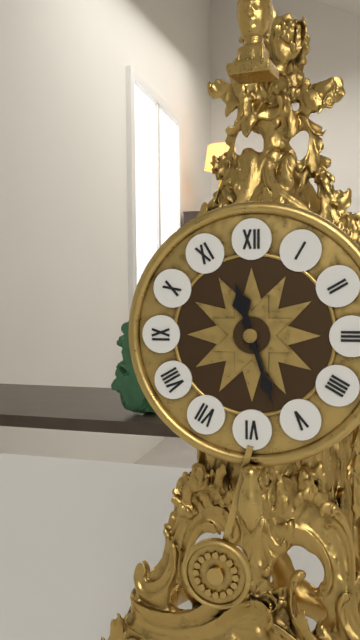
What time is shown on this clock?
11:27
